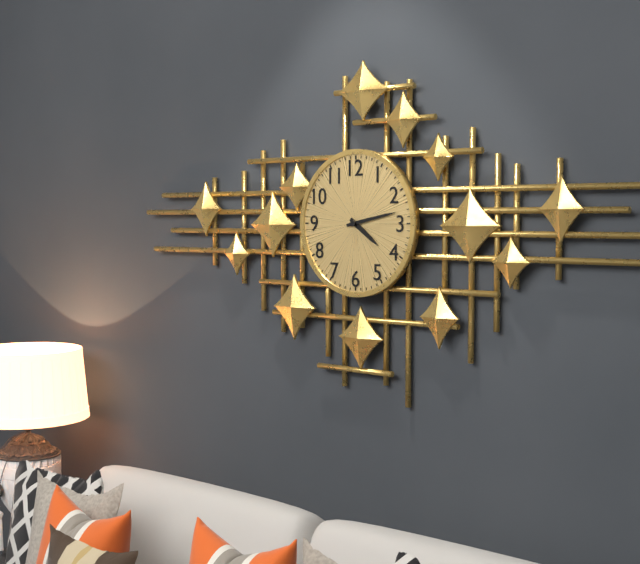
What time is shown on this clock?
4:13
